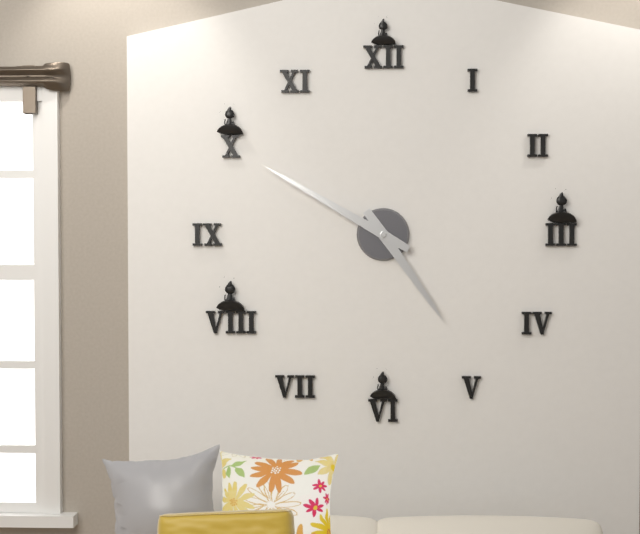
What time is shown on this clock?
4:50
